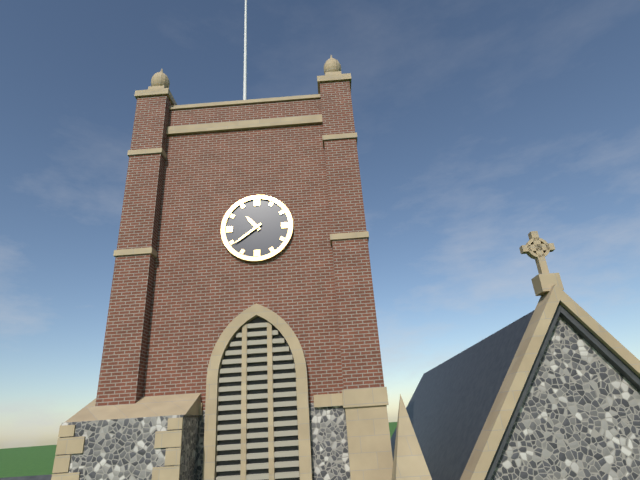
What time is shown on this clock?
10:39
